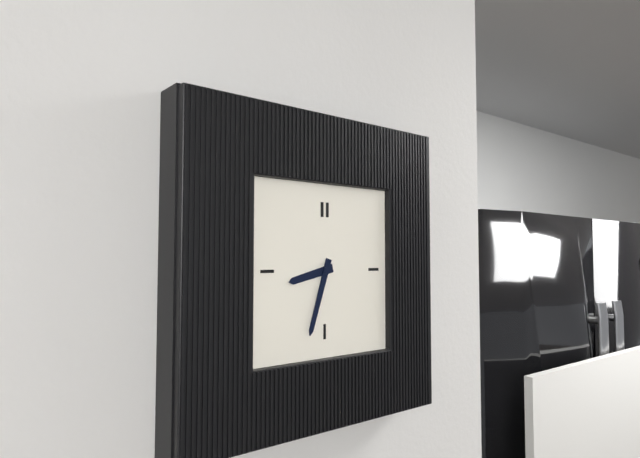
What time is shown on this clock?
8:33
